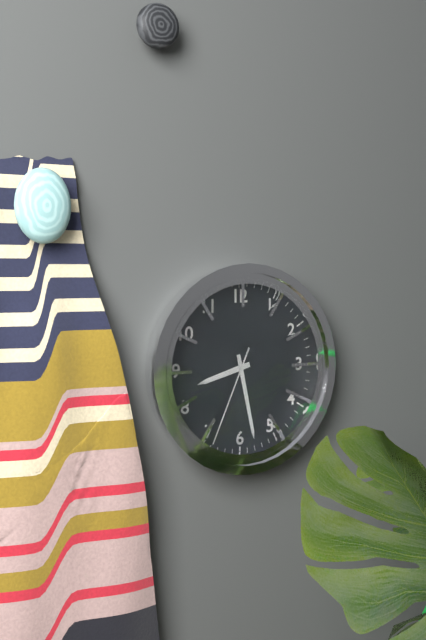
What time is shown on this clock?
8:28:34
